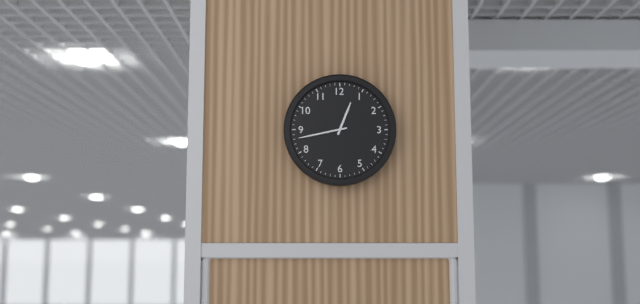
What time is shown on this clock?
12:43
